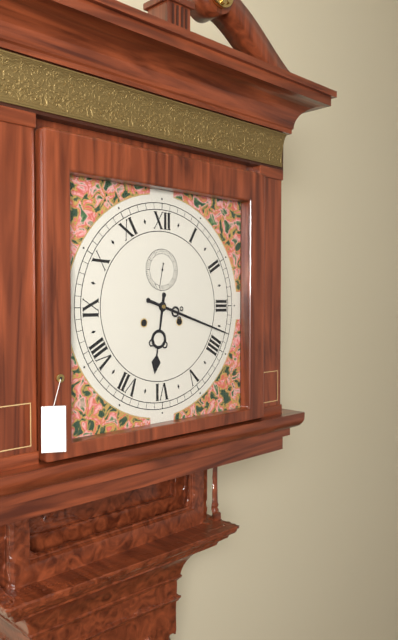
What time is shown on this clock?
6:18
